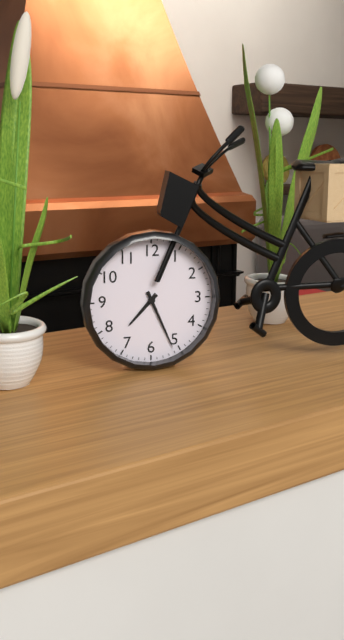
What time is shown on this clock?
7:26
